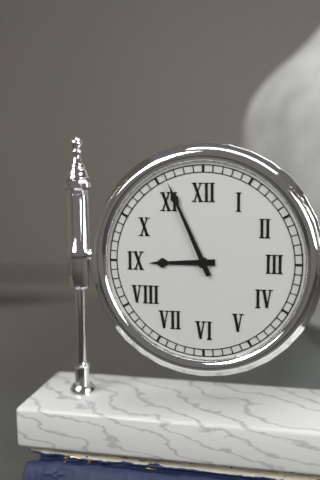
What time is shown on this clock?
8:56
